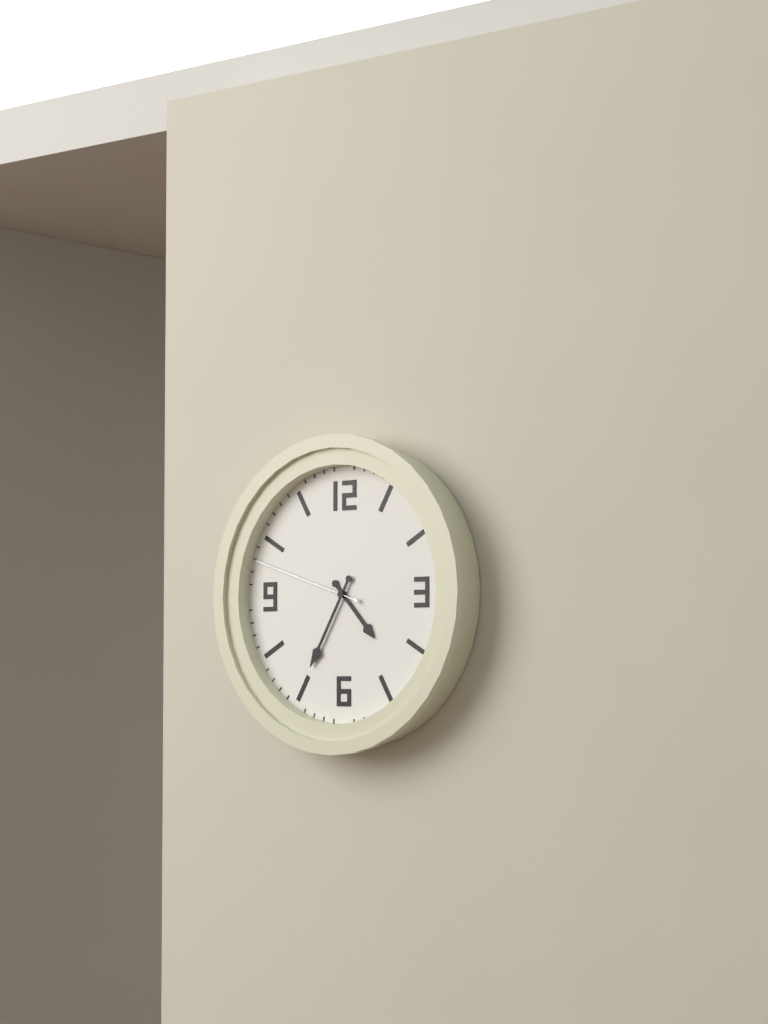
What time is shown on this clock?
4:35:48
